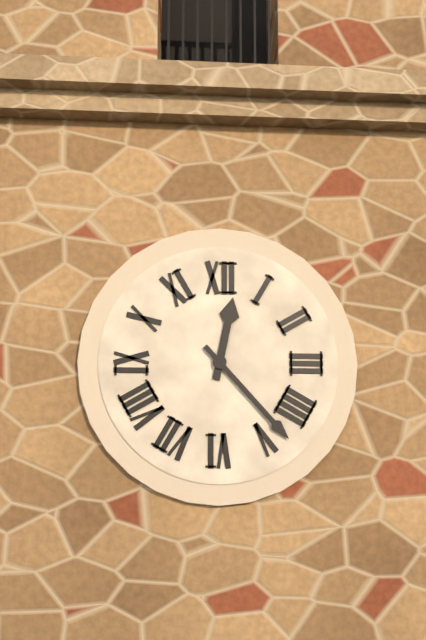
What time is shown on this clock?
12:23
